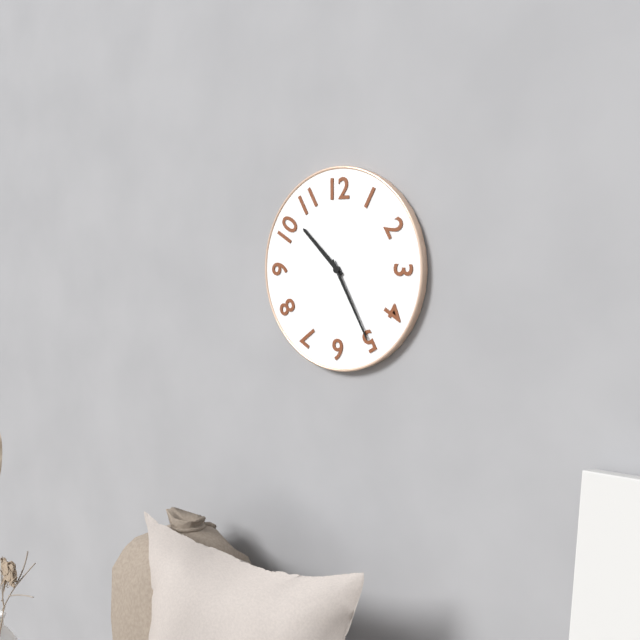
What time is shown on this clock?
10:25
